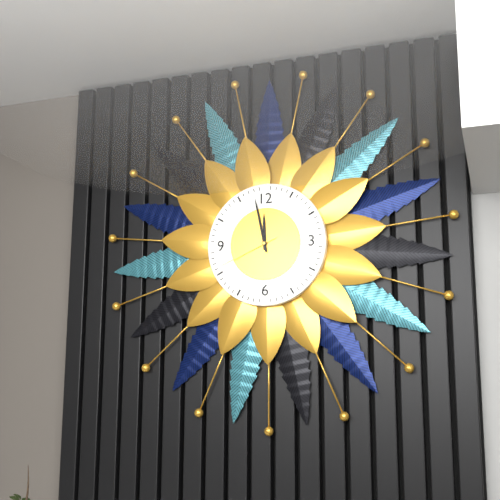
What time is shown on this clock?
11:58:41
